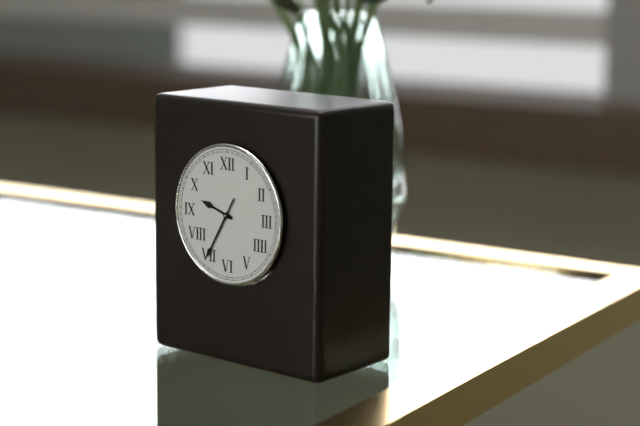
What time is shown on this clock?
9:35
